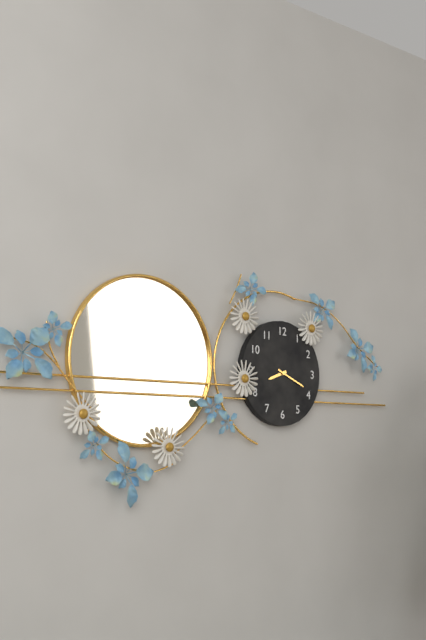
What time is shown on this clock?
8:19
